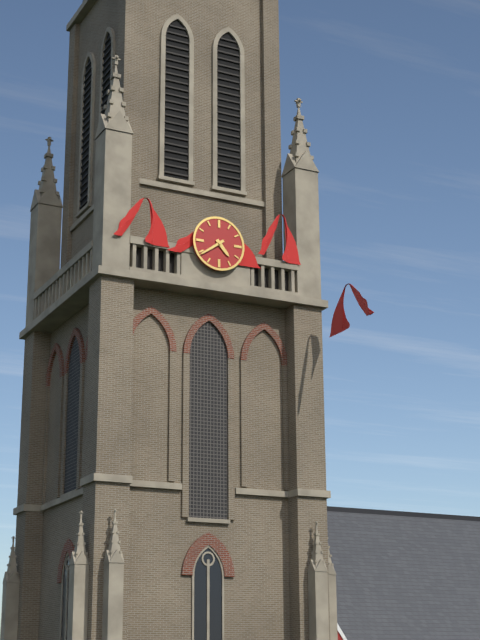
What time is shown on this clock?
4:39
